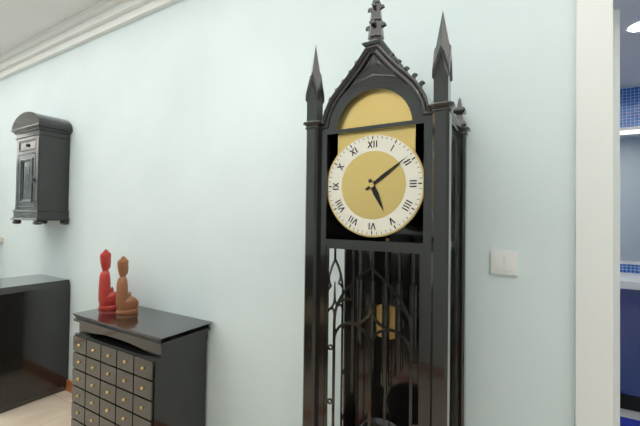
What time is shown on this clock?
5:09
